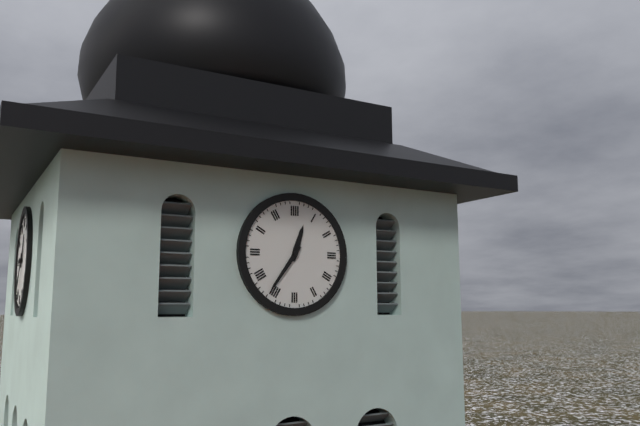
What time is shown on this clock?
12:36
